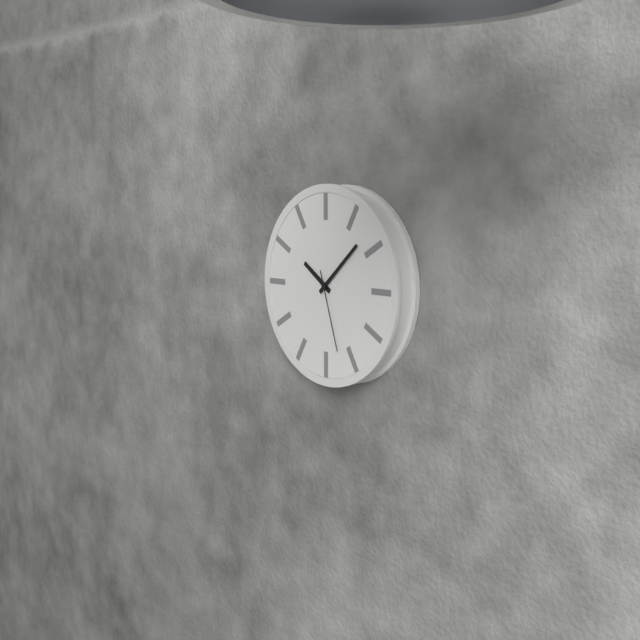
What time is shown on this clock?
10:08:27
